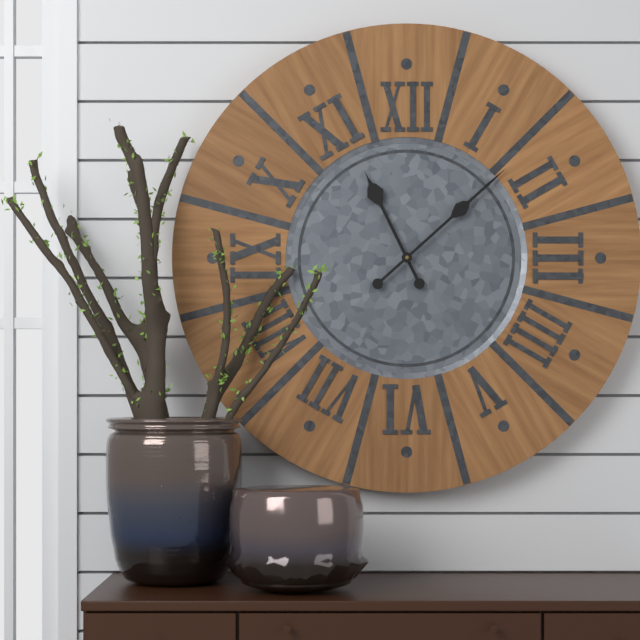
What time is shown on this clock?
11:08
